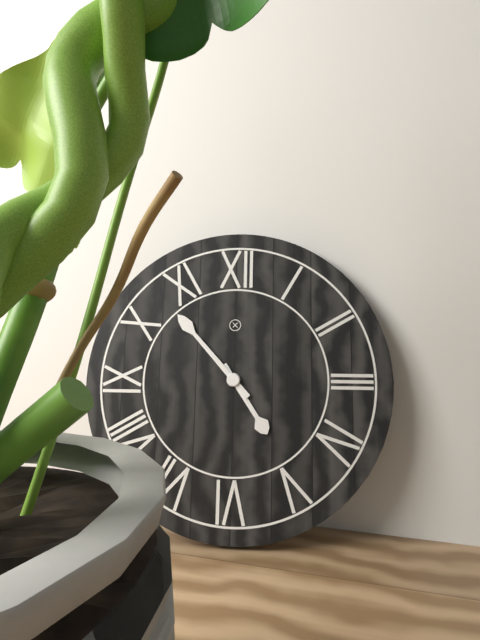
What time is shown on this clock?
4:53
